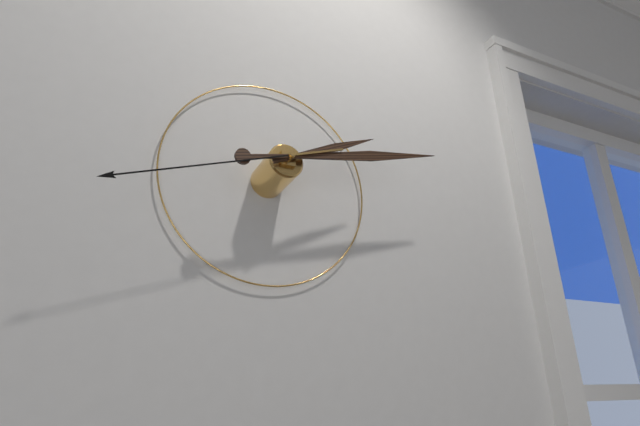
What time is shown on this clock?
2:13:42
